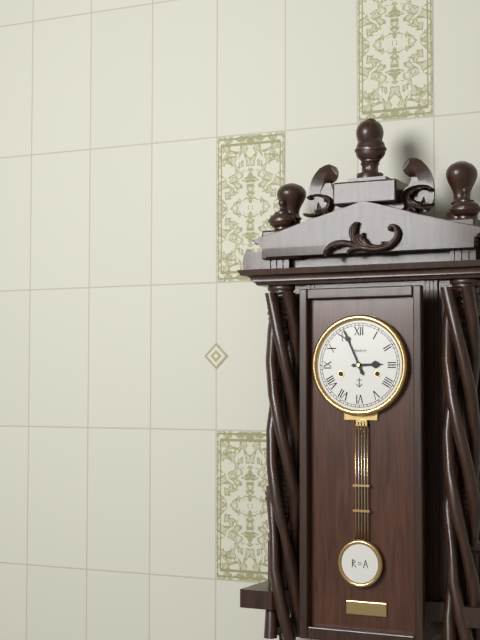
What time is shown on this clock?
2:56
